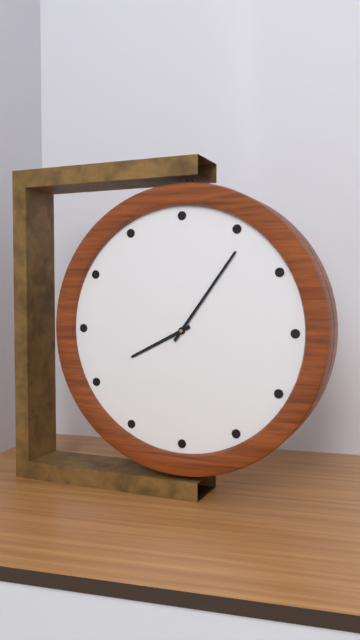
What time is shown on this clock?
8:06
